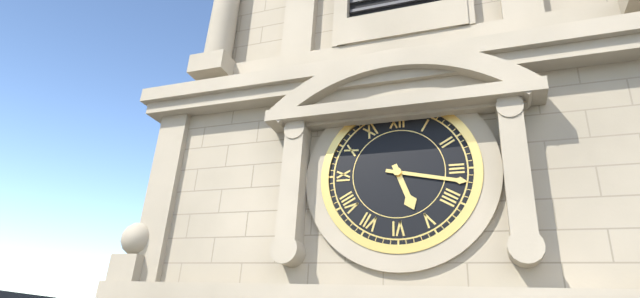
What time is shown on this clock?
5:17
